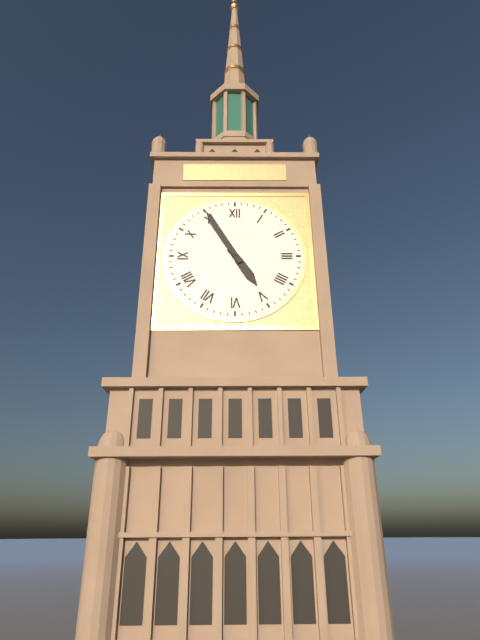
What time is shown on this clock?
4:55
